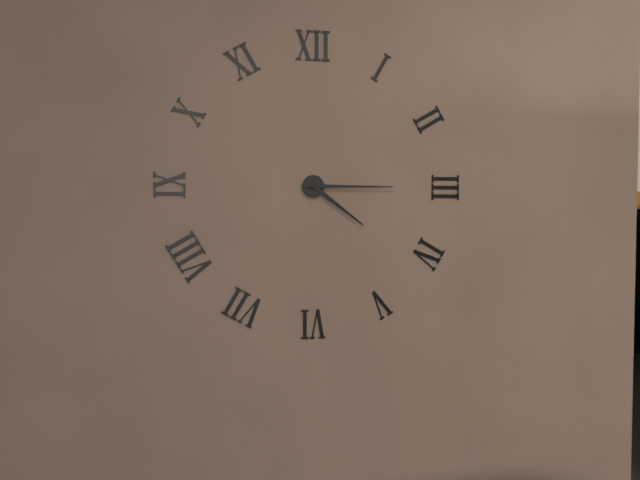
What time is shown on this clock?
4:15
